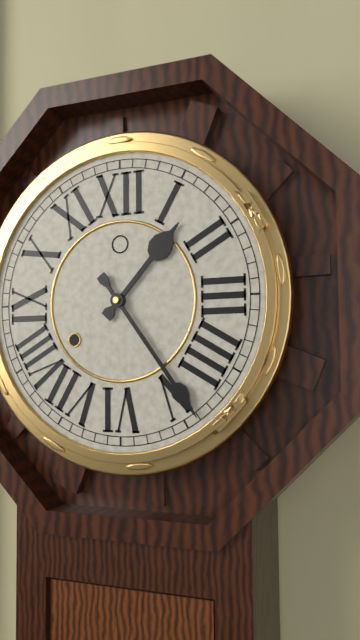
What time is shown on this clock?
1:24
